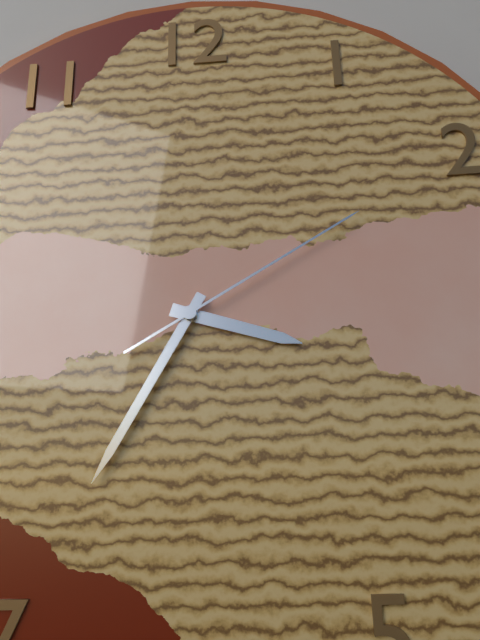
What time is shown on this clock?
3:35:10
